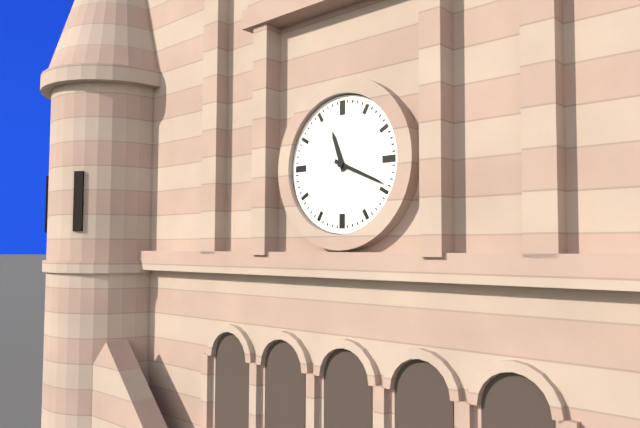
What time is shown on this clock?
11:19
